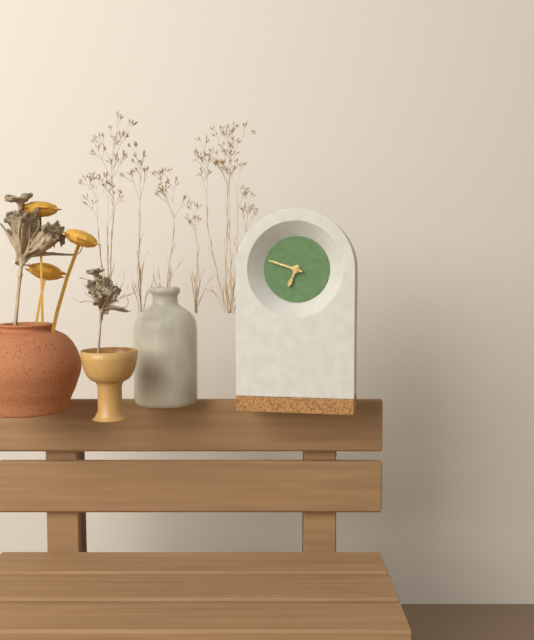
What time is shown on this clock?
6:48
